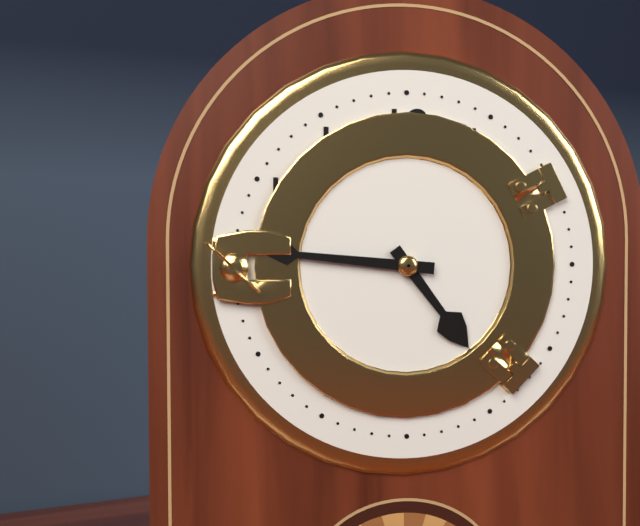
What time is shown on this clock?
4:46
